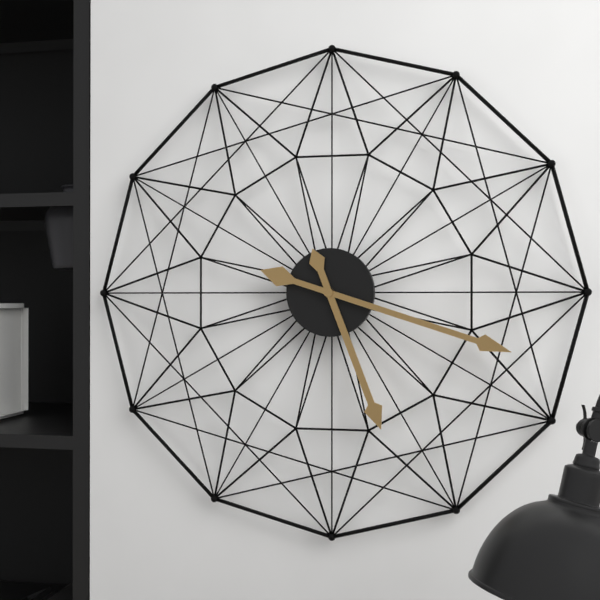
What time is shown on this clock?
5:18
